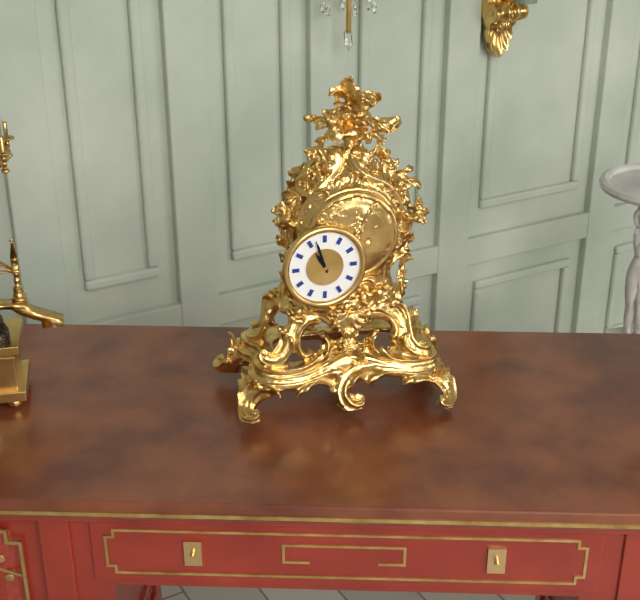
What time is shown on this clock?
10:57
